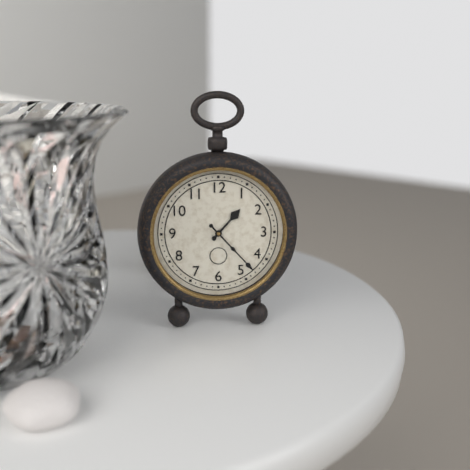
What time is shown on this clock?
1:23
